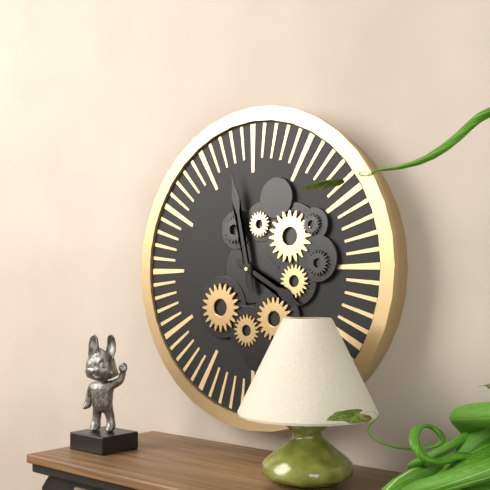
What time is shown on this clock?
3:58
